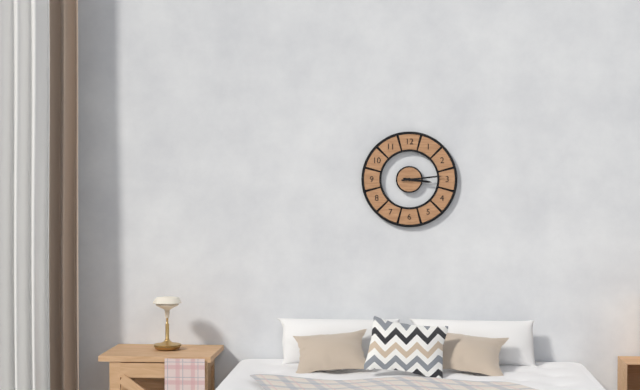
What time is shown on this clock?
3:14
